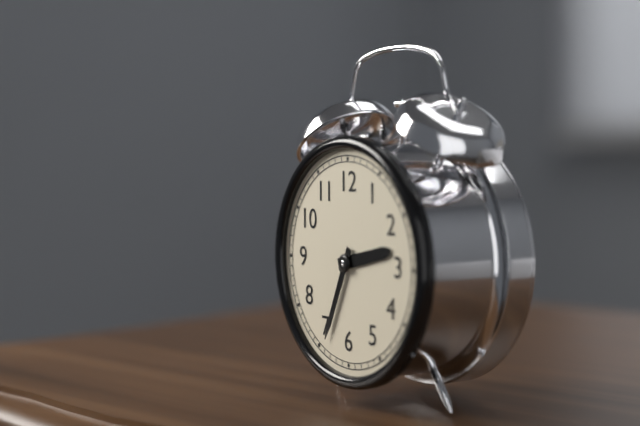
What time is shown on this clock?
2:34
